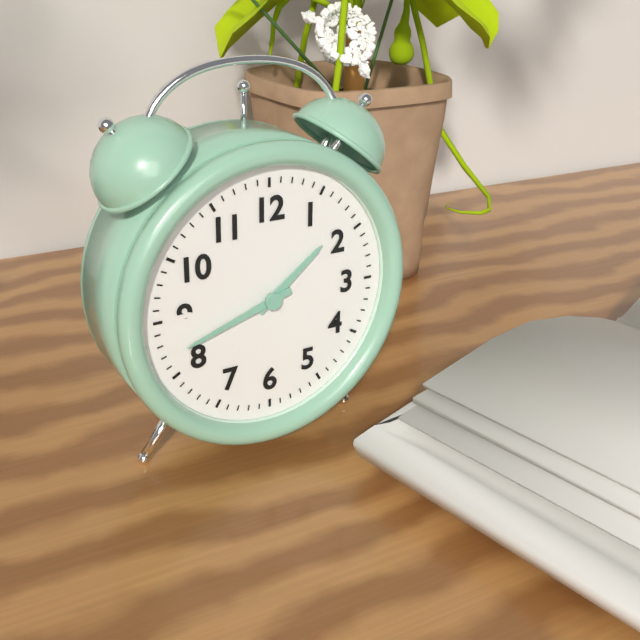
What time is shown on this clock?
1:42
